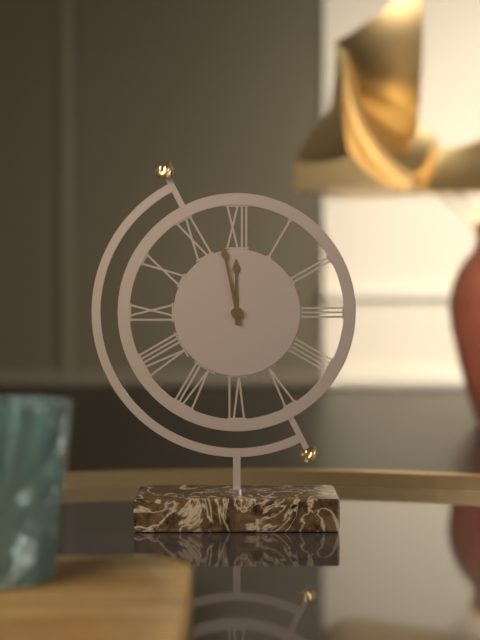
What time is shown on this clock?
11:58
